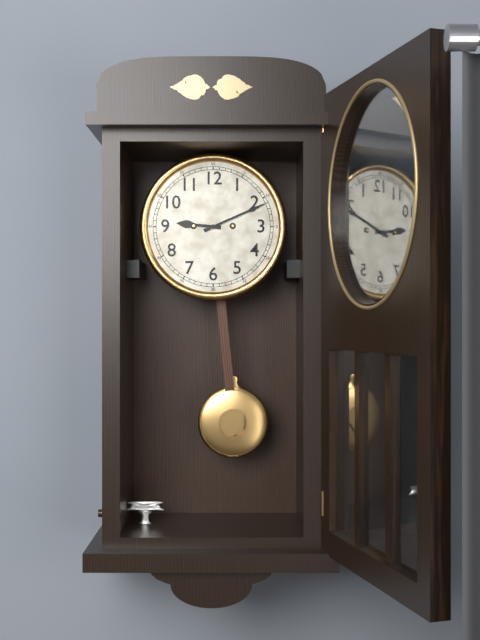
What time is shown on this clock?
9:11
